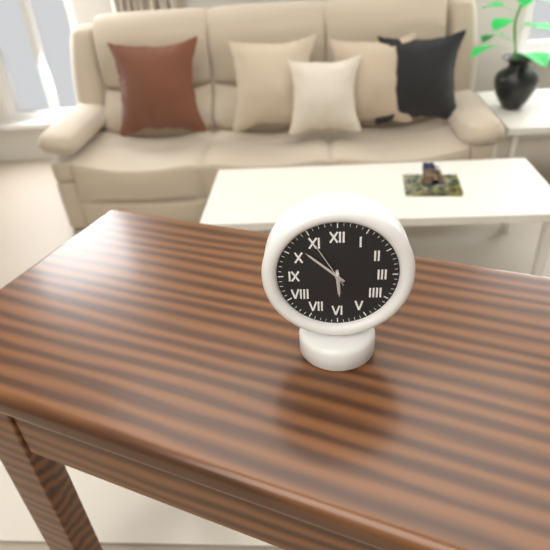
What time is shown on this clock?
5:52
